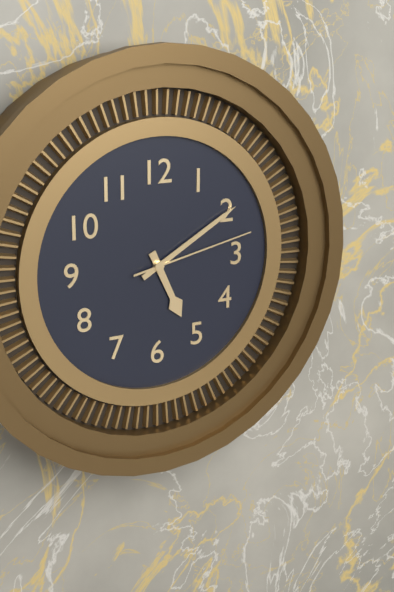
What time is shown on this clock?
5:10:13
